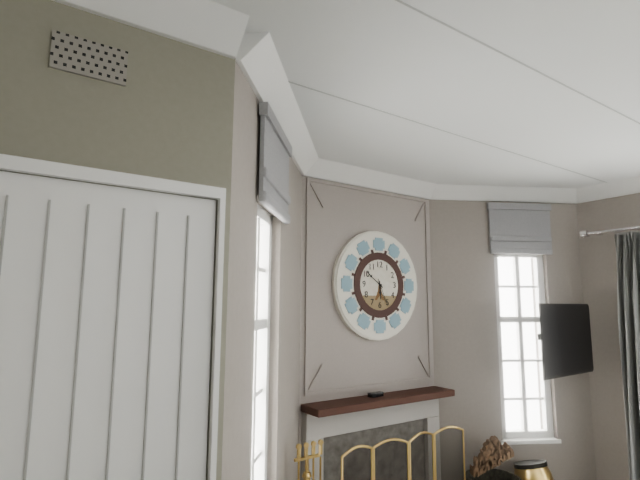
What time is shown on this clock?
5:51
